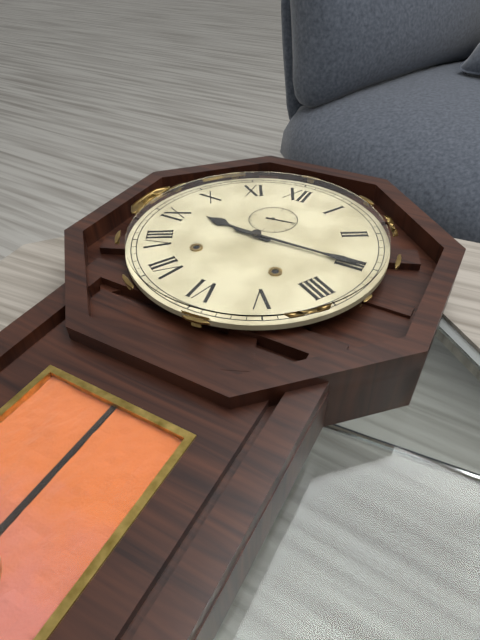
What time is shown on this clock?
9:15:14
